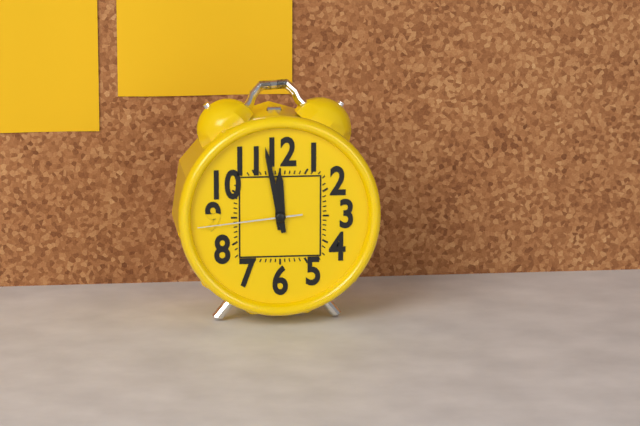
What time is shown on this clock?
11:58:44
